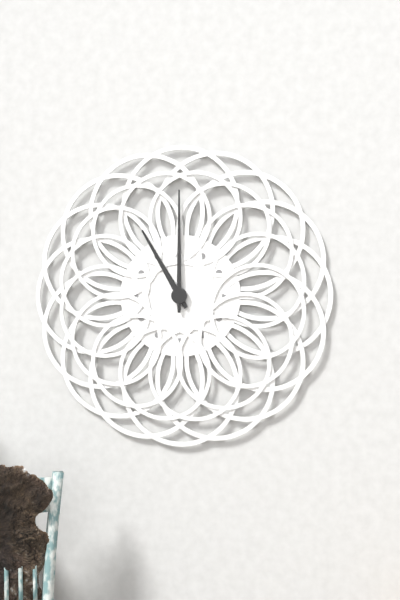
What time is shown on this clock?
11:00
